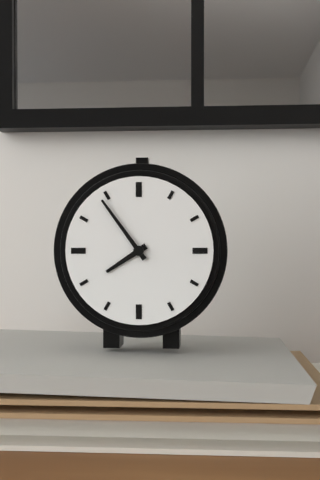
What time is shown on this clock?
7:54
